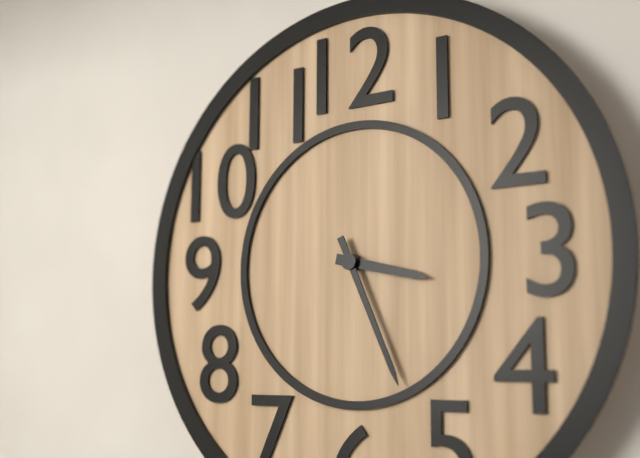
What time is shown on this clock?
3:26
